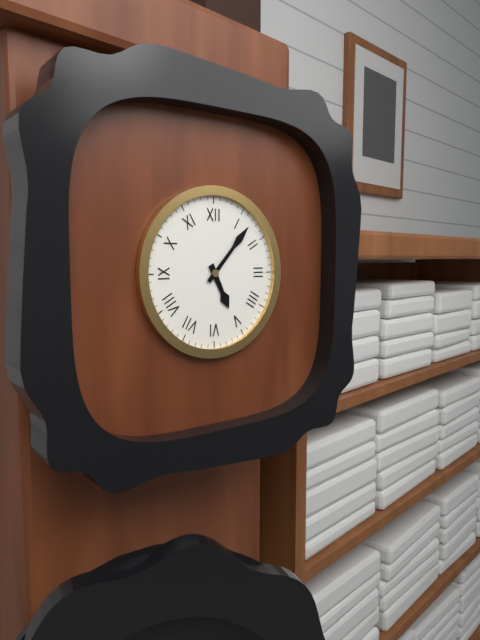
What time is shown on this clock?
5:07
